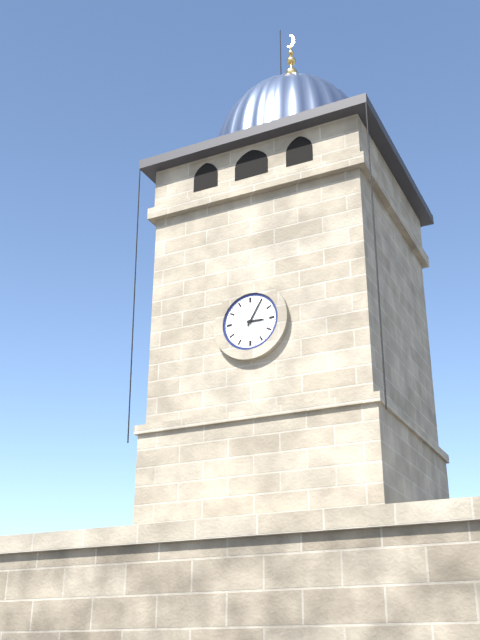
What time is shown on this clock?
3:05
